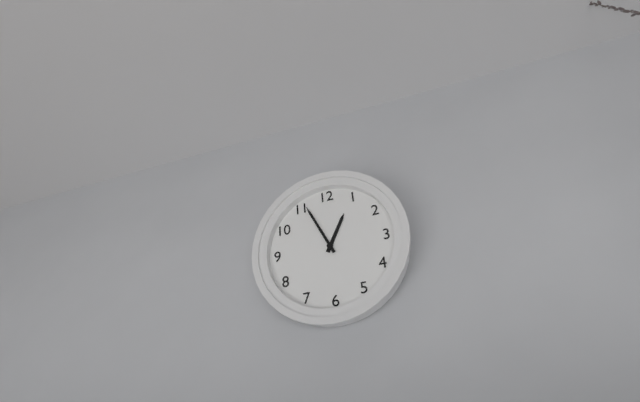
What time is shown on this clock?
12:56
